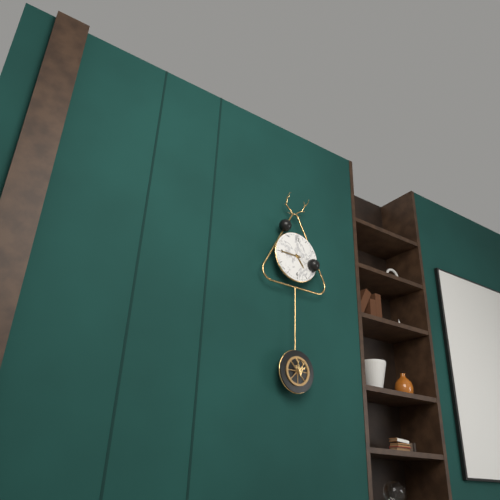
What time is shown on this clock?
4:45
